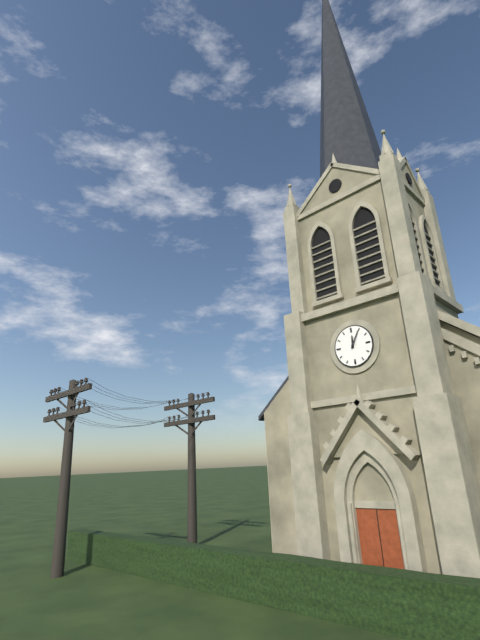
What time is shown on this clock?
12:05
